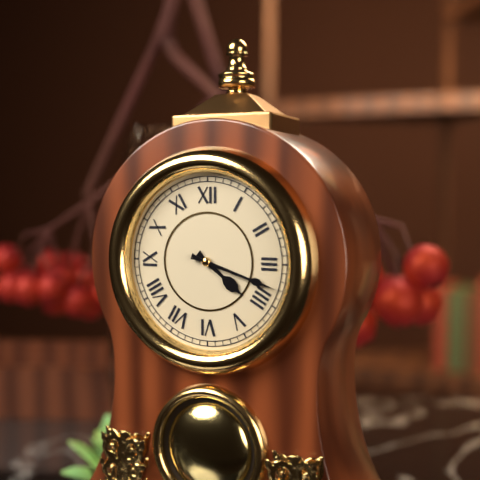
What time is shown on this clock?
4:18
